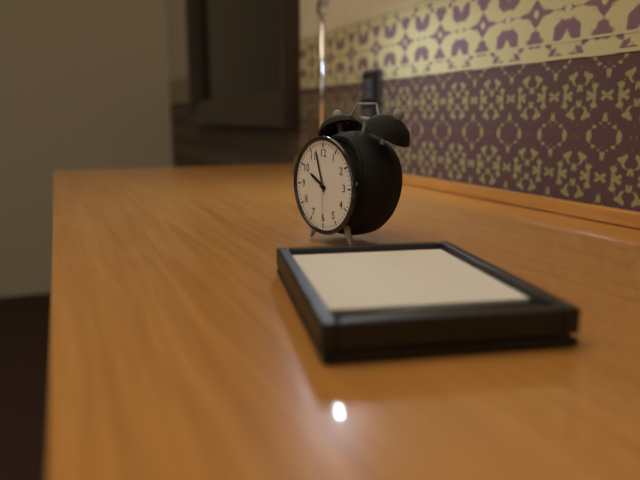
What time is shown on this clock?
9:57:30
